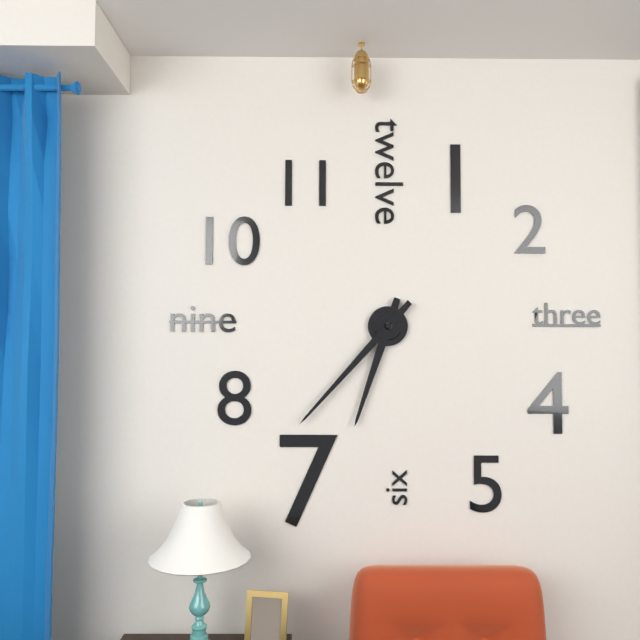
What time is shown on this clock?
6:37
